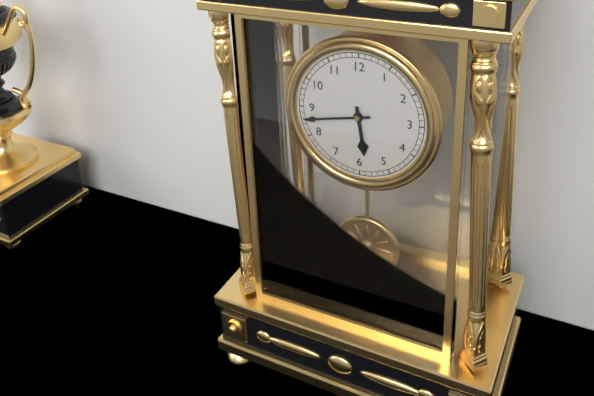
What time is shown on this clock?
5:43
